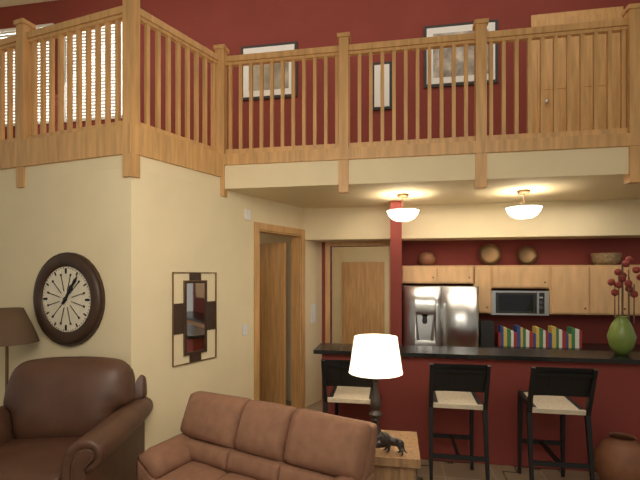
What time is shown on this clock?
1:06
